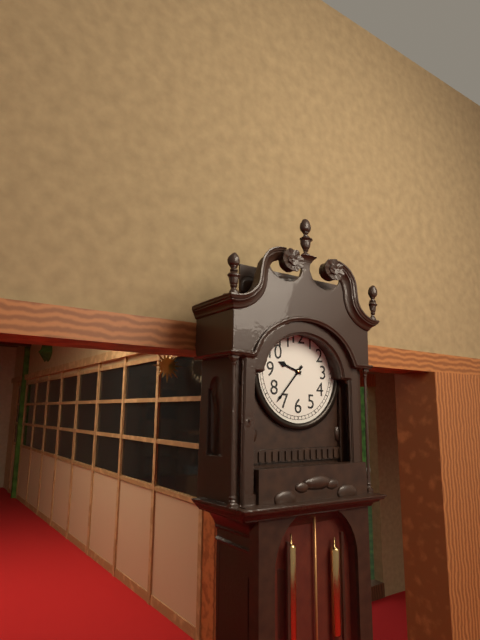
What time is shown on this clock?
9:37
